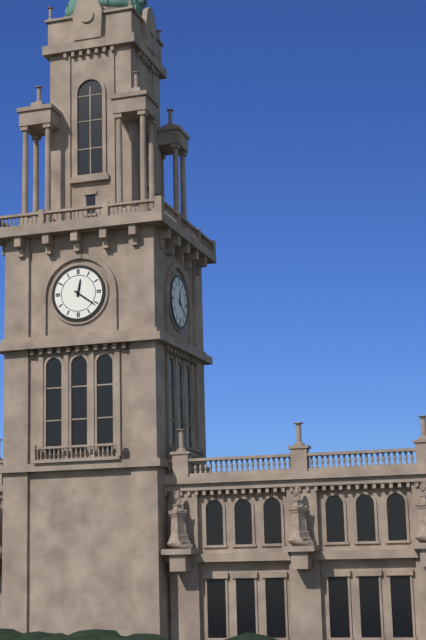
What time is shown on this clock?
12:21
